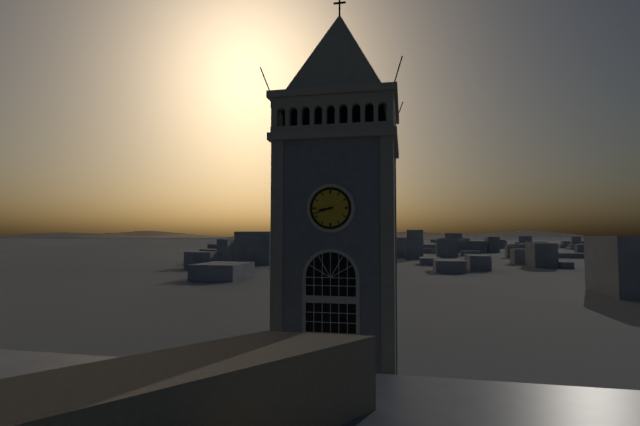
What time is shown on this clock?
8:42
